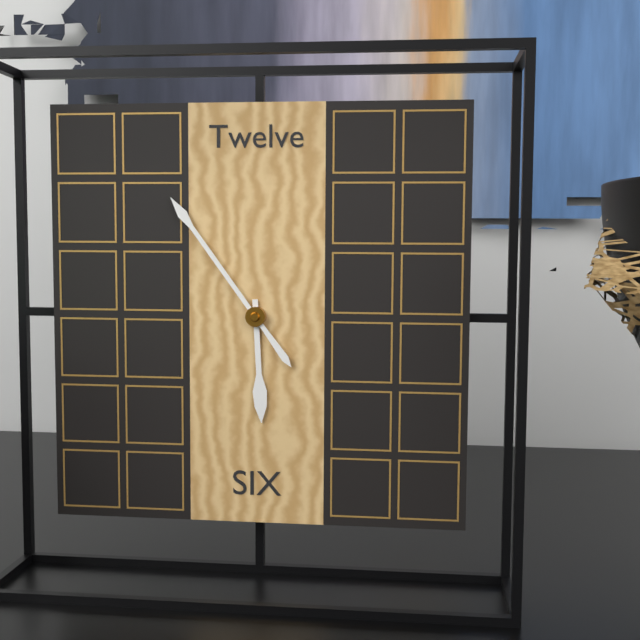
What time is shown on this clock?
5:54
